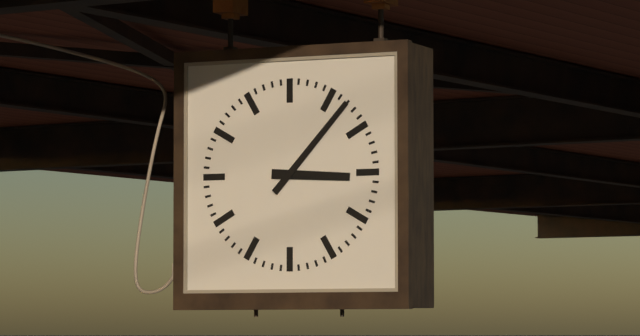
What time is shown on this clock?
3:07
